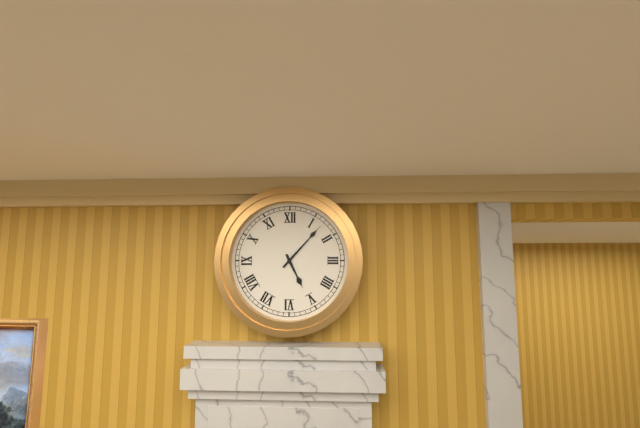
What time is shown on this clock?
5:07
